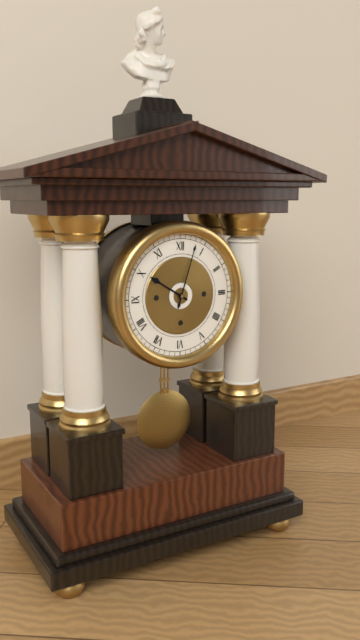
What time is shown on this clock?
10:03
